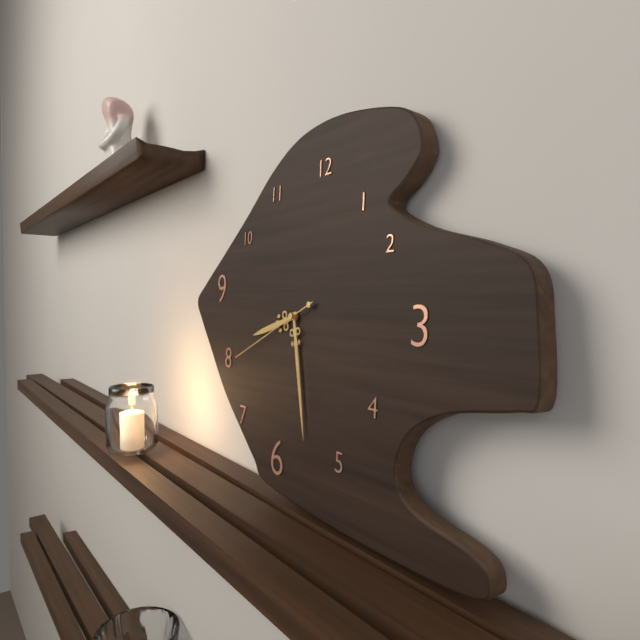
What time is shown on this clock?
8:28:41
